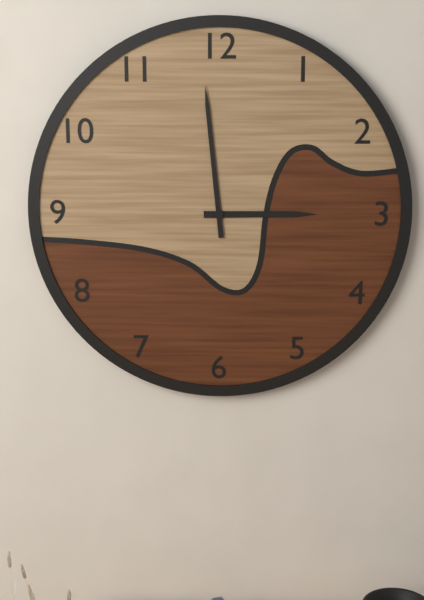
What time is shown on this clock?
2:59
